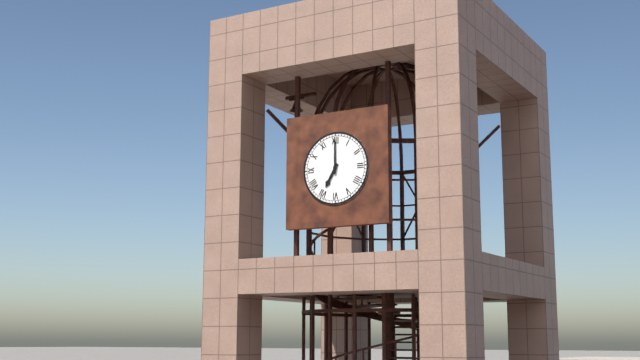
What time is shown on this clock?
7:00
